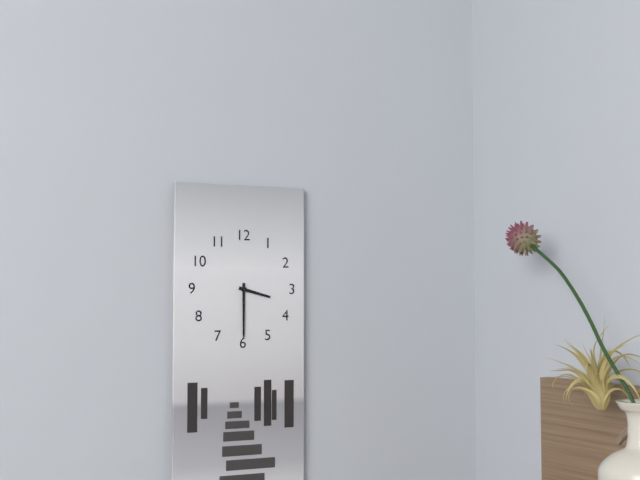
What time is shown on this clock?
3:30
